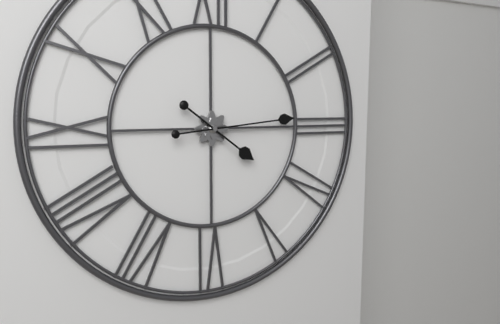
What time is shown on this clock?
4:14
